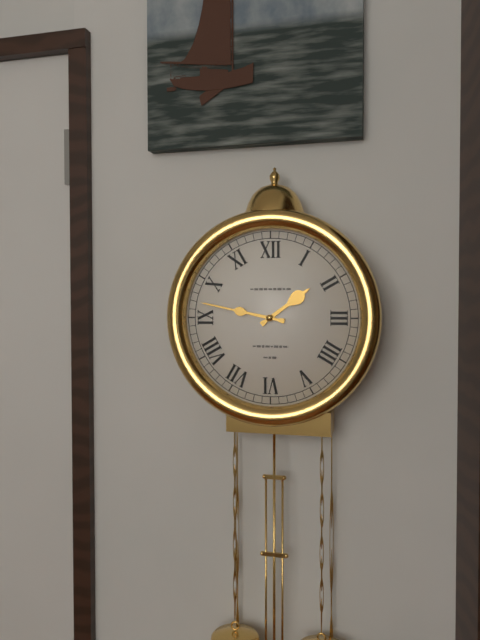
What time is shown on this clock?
1:47
